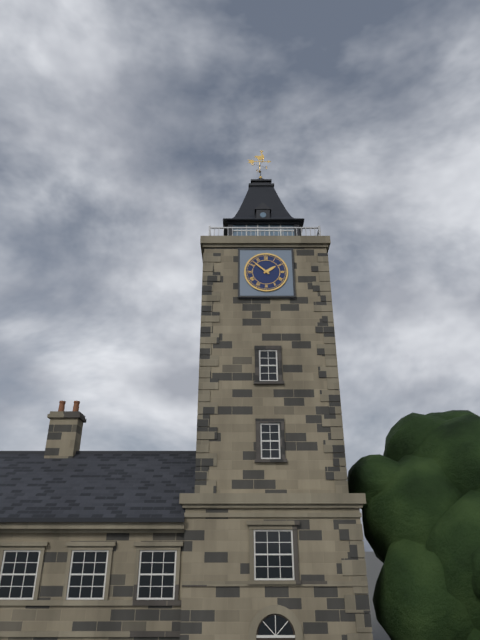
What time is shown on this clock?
1:52
